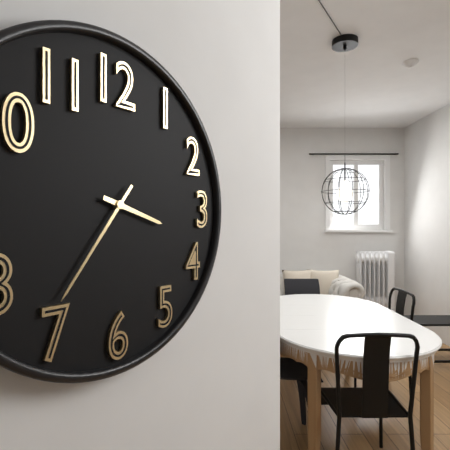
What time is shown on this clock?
3:36
